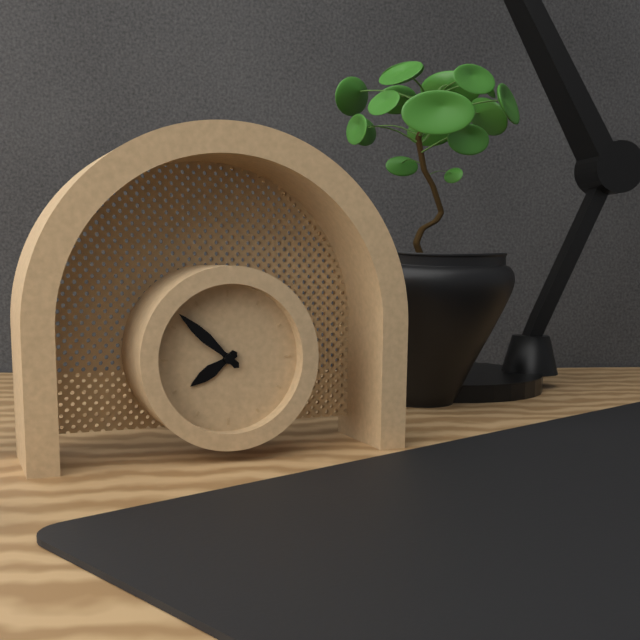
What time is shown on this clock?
7:52
